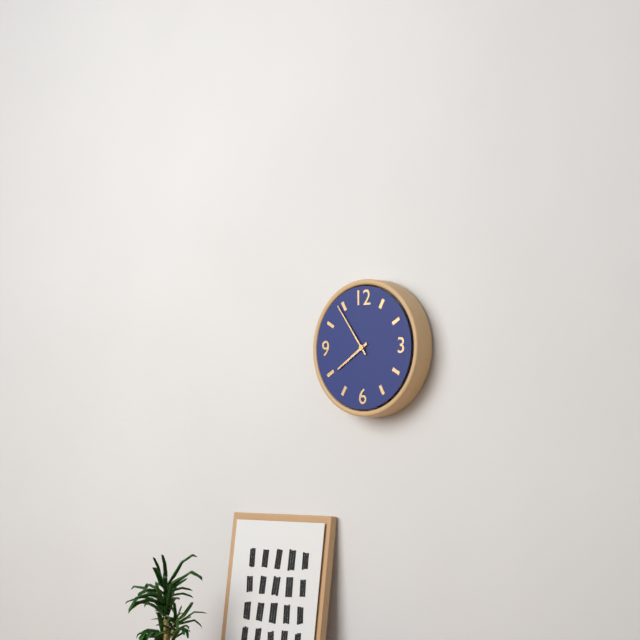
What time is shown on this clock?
7:54
